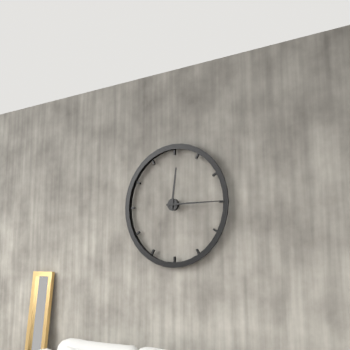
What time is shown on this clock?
12:15
